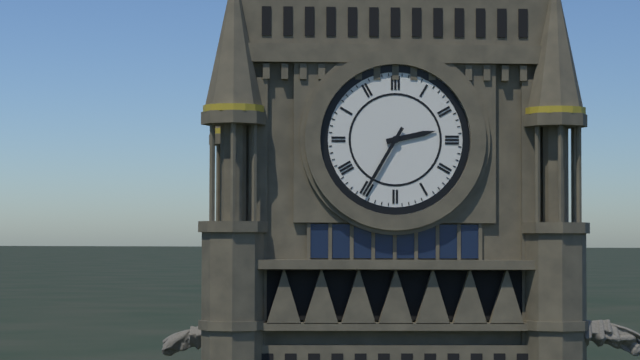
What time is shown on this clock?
2:35
